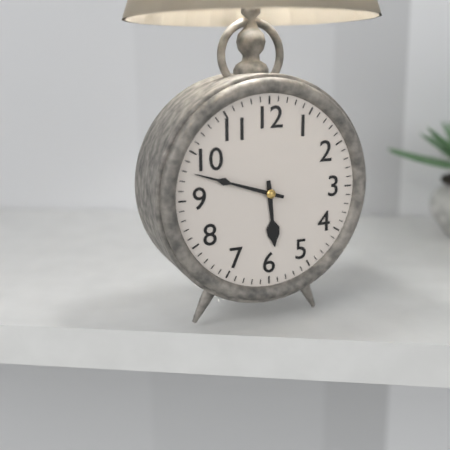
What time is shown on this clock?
5:48
